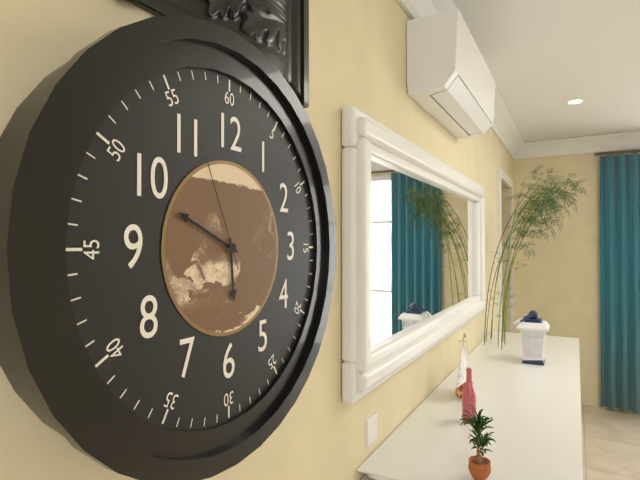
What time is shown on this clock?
5:49:56
